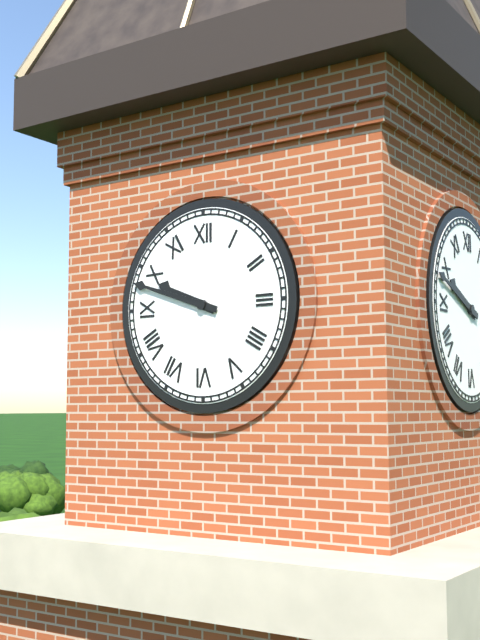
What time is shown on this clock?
9:48
